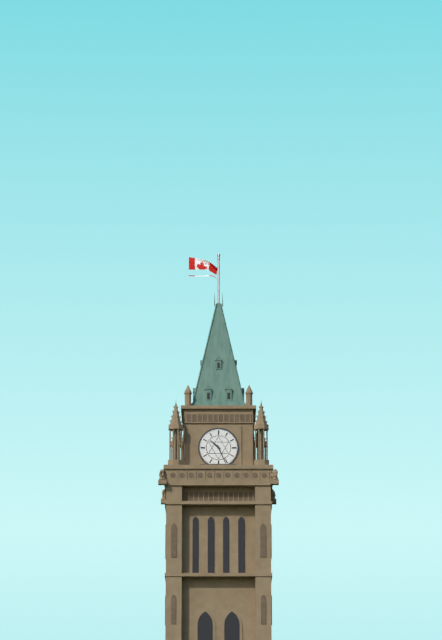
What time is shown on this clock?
10:26
